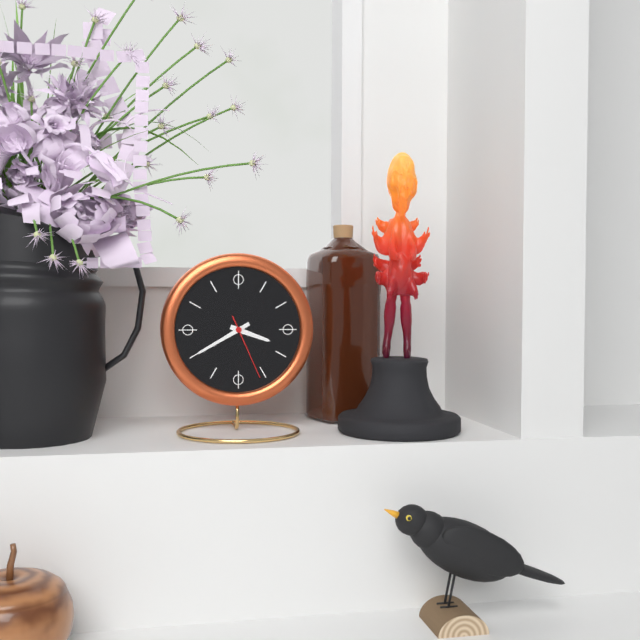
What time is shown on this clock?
3:40:26
